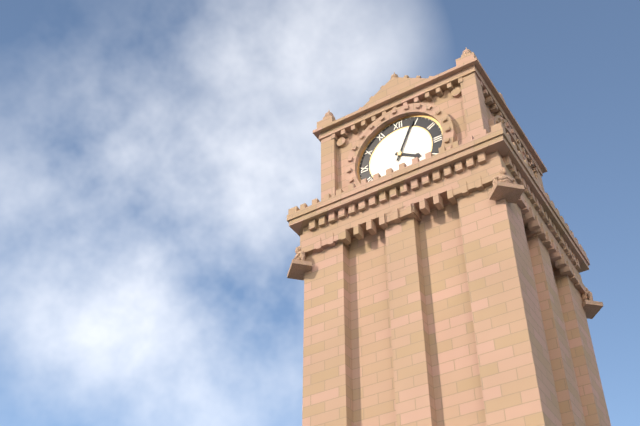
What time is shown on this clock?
4:04
